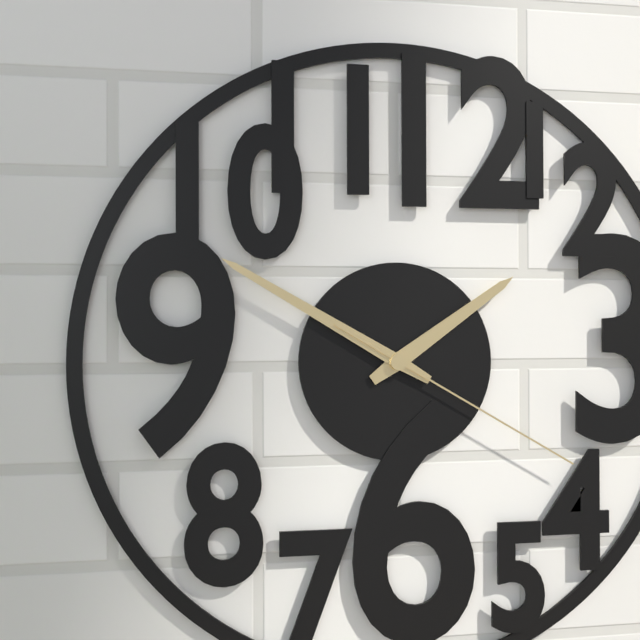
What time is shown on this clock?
1:50:20
